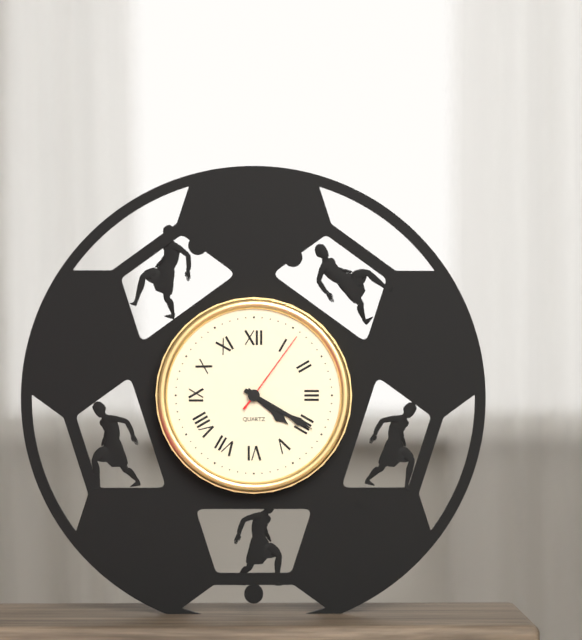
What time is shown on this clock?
4:20:06
